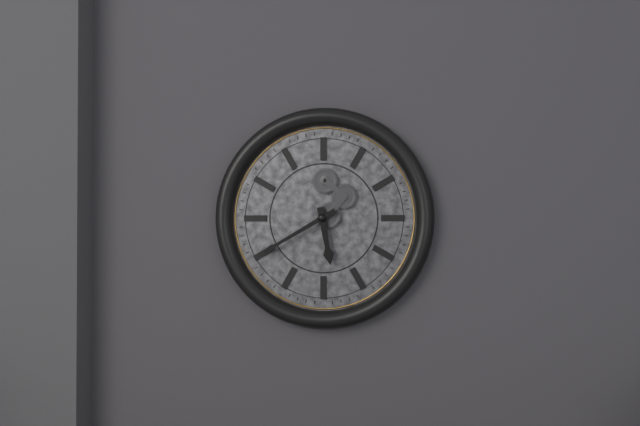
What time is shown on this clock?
5:40
